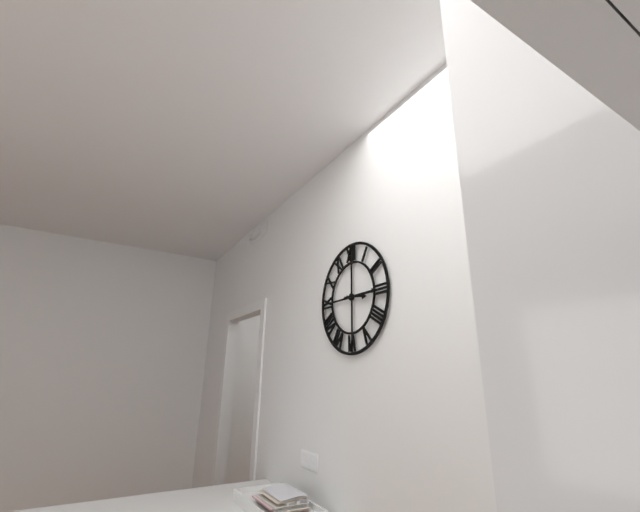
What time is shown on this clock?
3:15
